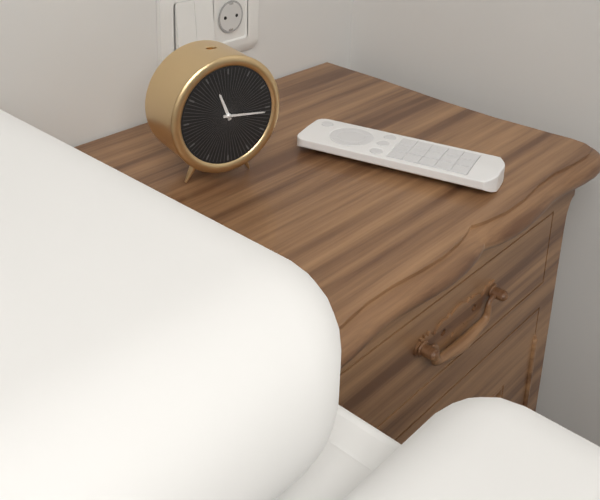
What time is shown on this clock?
11:16
